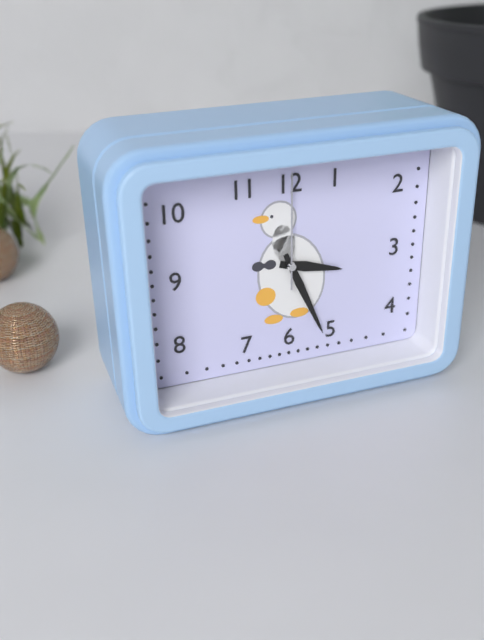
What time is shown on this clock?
3:26:00
